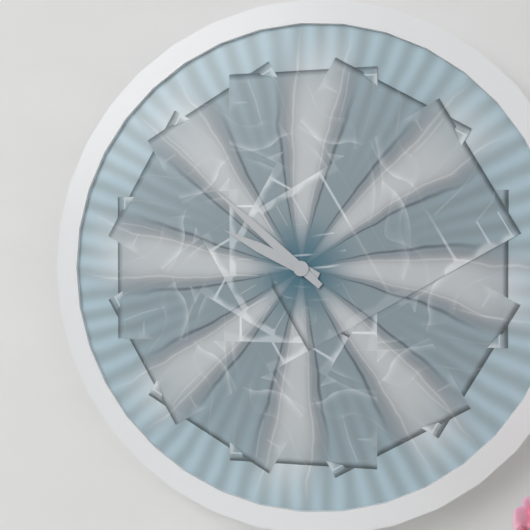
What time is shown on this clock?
9:52
